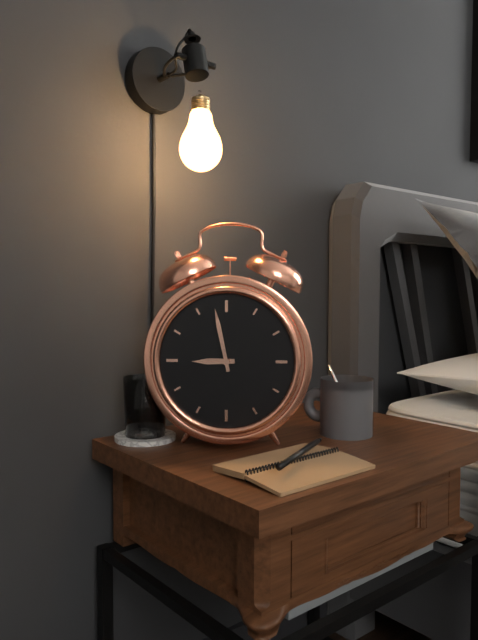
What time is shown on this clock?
8:58
